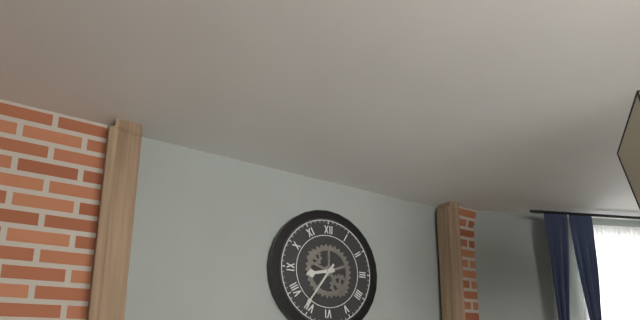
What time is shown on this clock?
8:36
